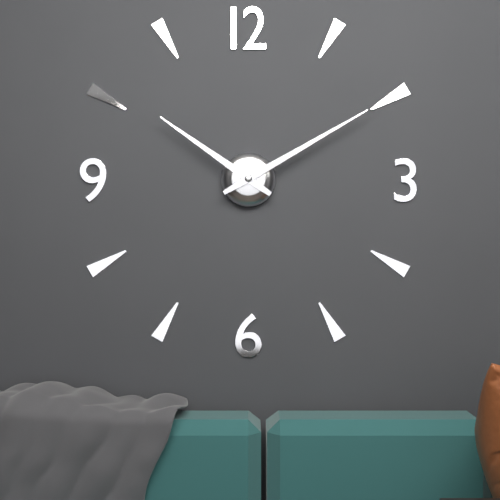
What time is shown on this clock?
10:10
